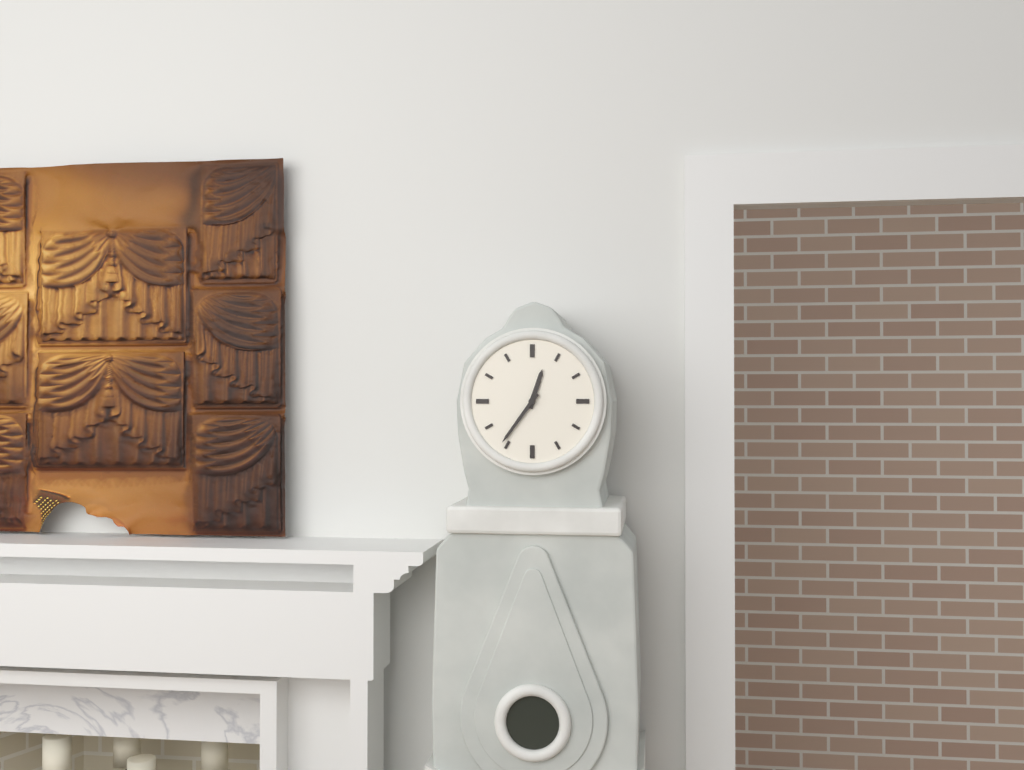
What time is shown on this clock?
12:36
